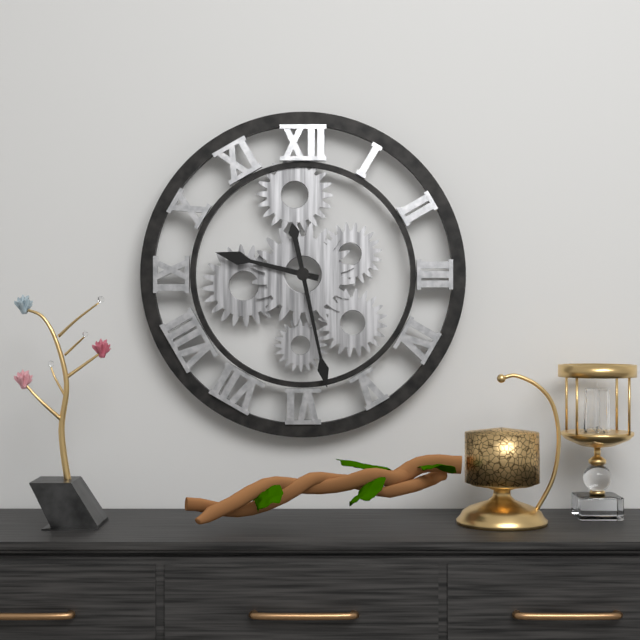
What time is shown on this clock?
9:28
